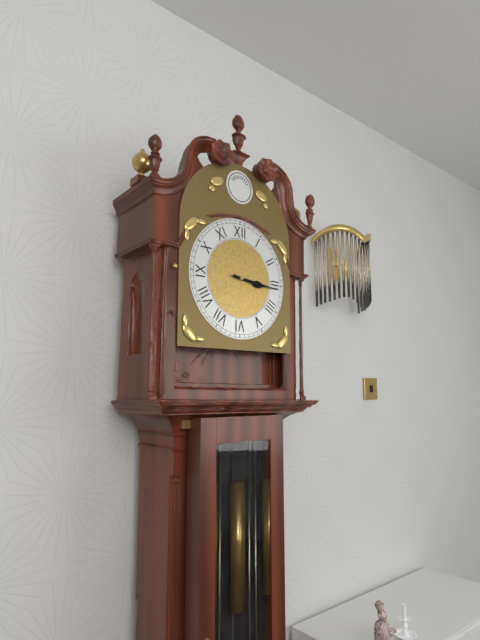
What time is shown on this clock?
3:16
